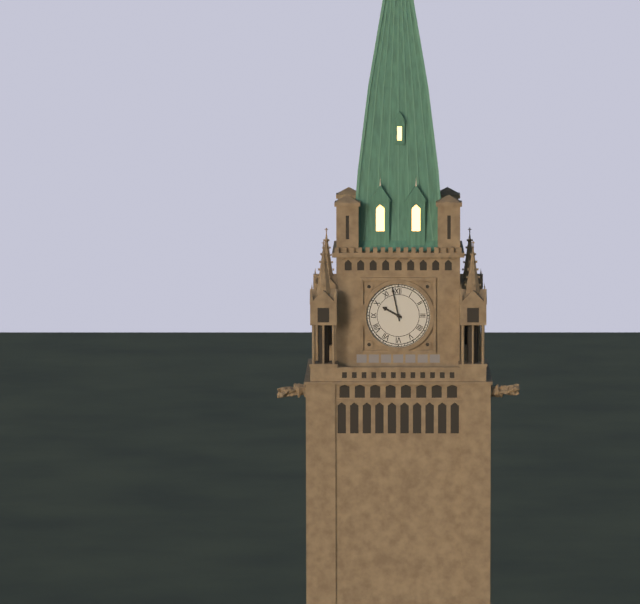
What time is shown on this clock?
9:58
